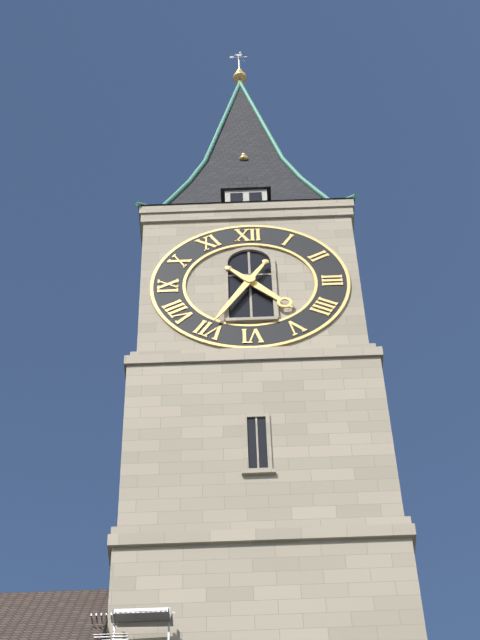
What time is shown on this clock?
4:35
